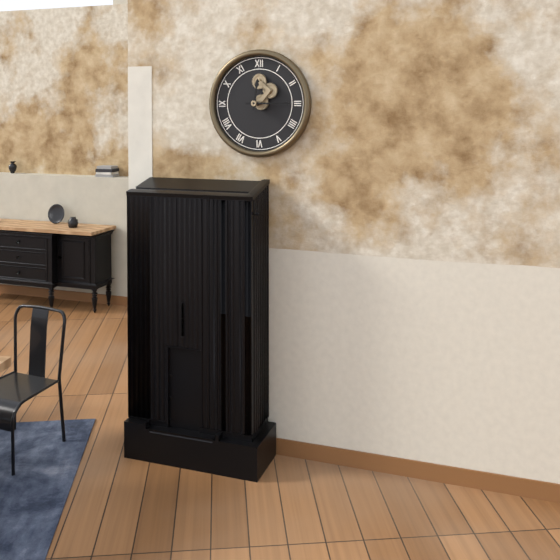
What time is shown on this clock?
12:15
